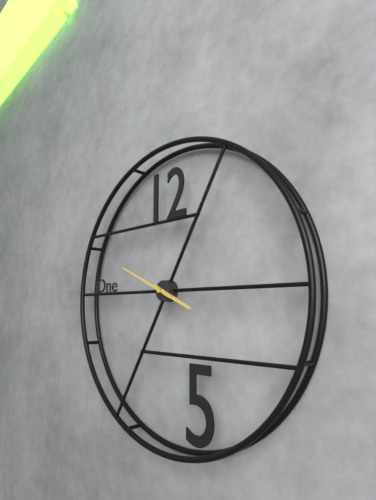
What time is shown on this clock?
3:49
